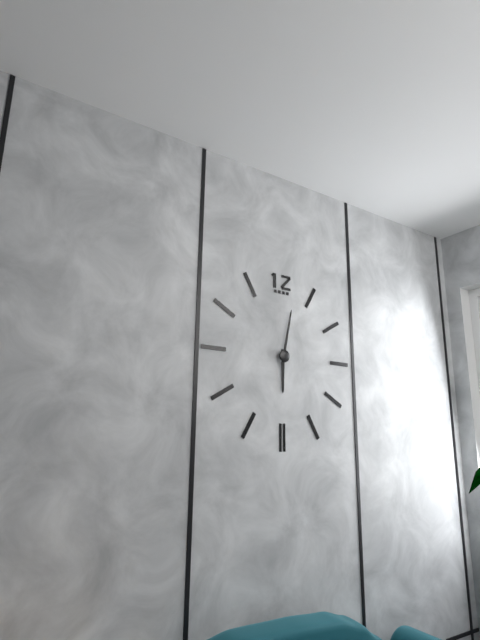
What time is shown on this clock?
6:02
